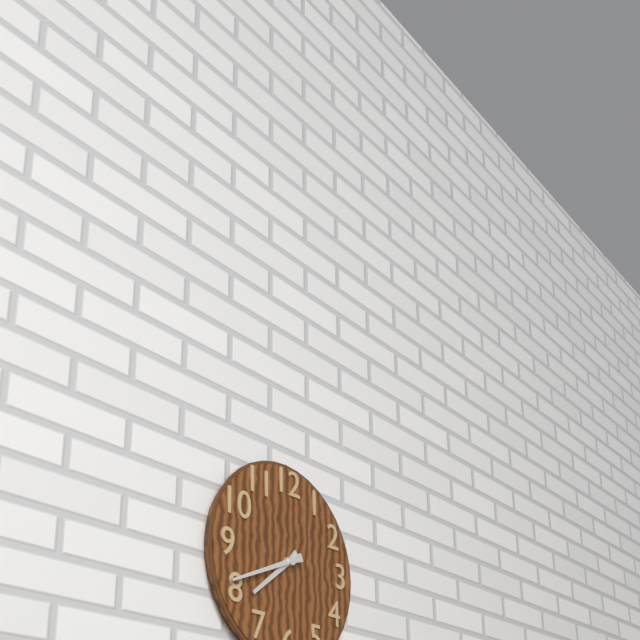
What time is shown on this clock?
7:41
